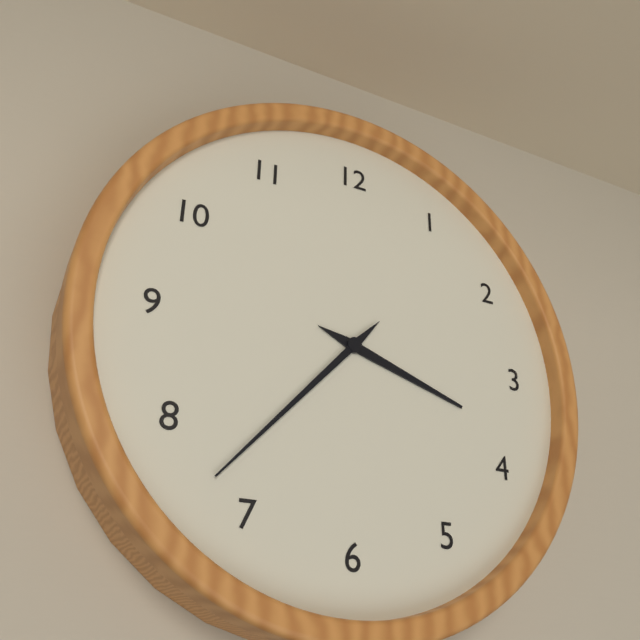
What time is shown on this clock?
3:37
